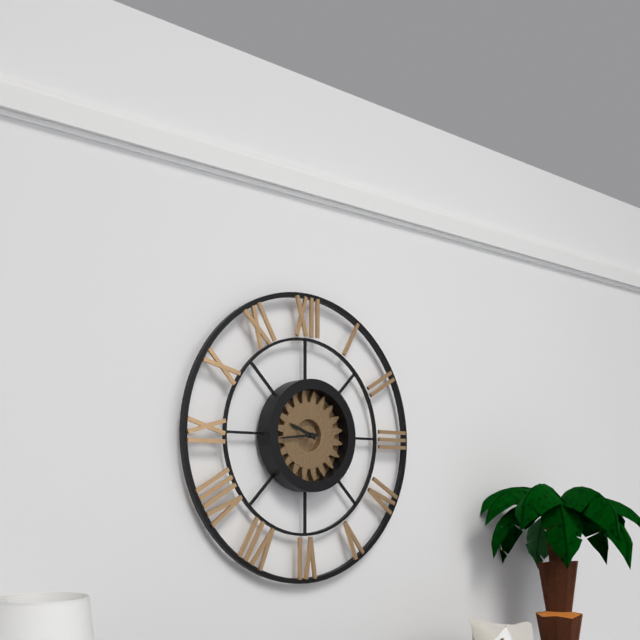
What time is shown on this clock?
9:44
